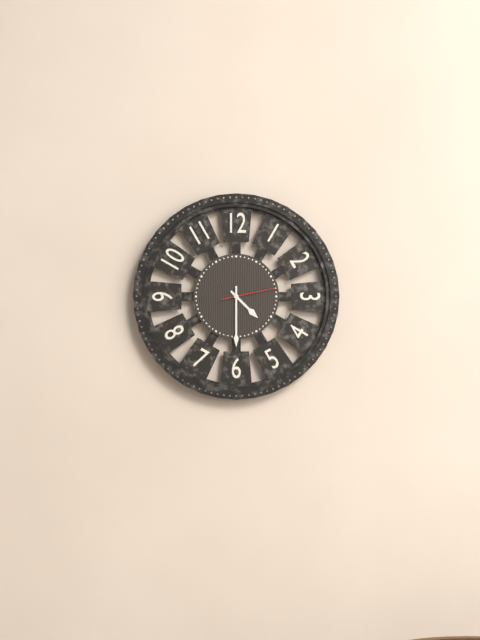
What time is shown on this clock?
4:30:13
